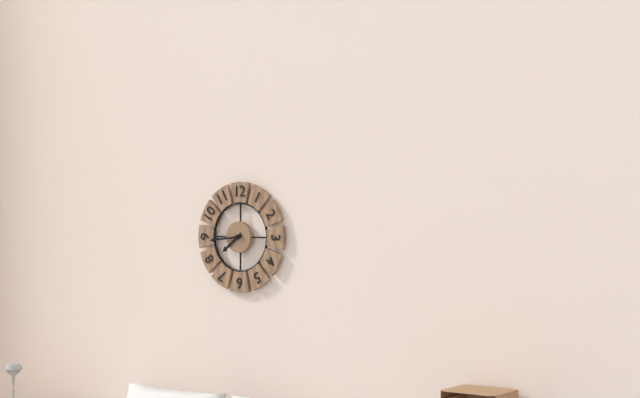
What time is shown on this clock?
7:44
